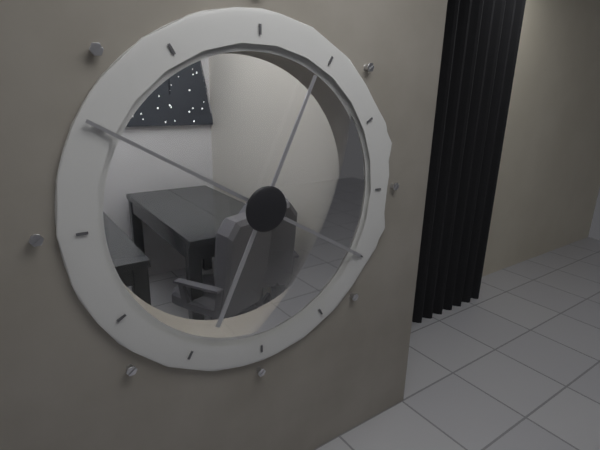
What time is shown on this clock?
12:50
